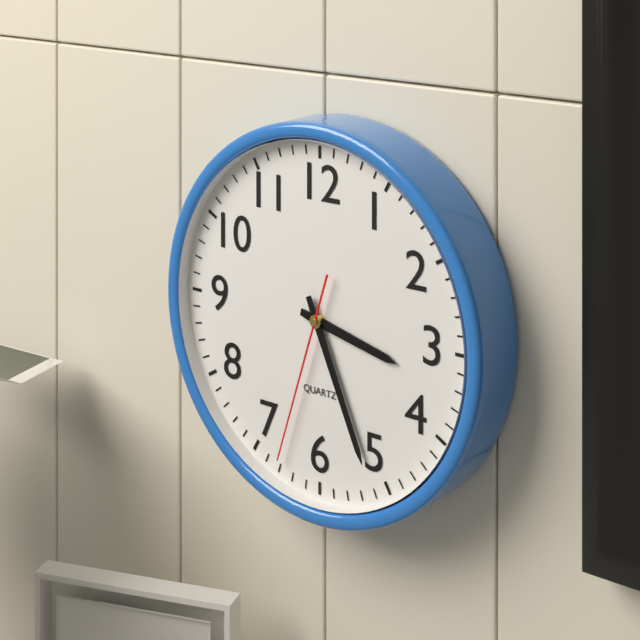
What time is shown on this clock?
3:26:33
